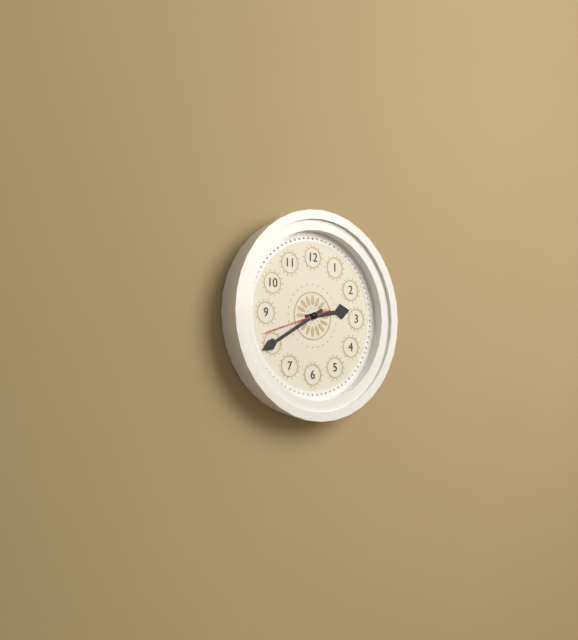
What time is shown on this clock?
2:40:42
